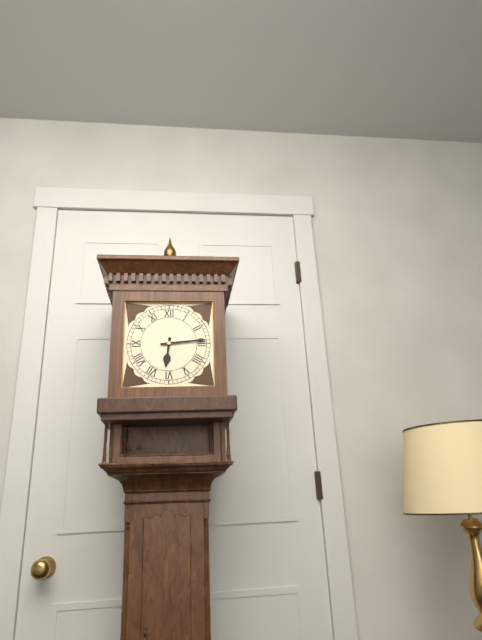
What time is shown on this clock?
6:14
